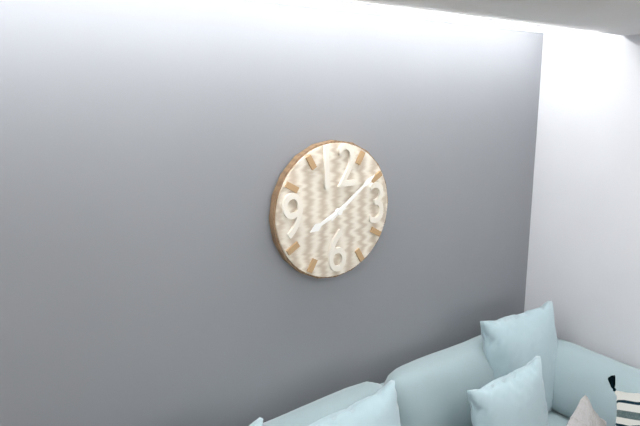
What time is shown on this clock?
8:09
